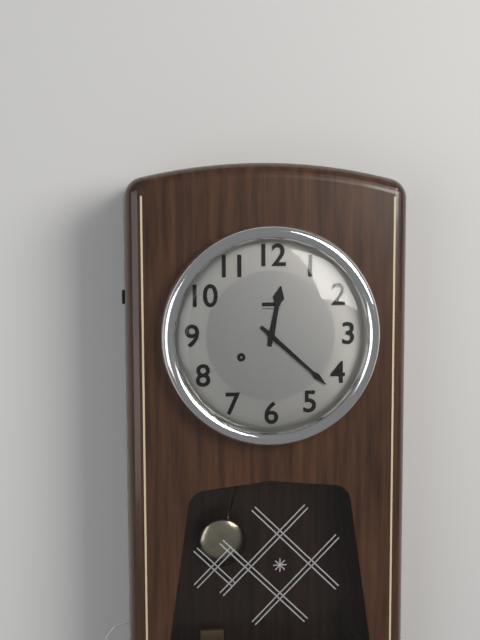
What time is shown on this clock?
12:22
